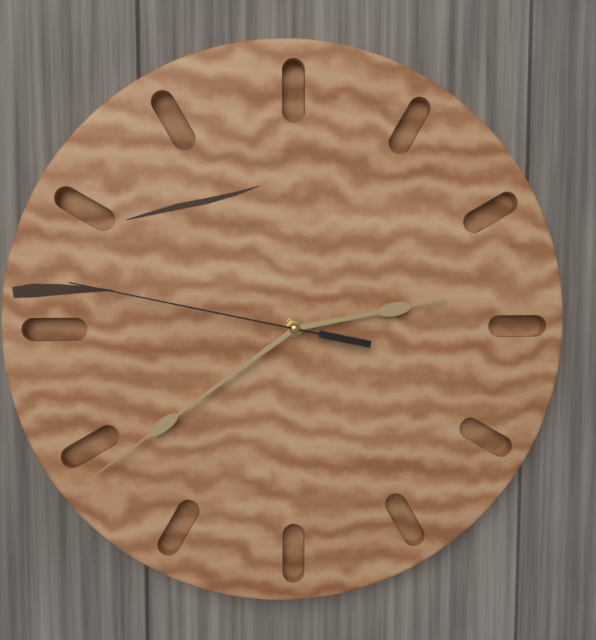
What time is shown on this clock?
2:39:47
